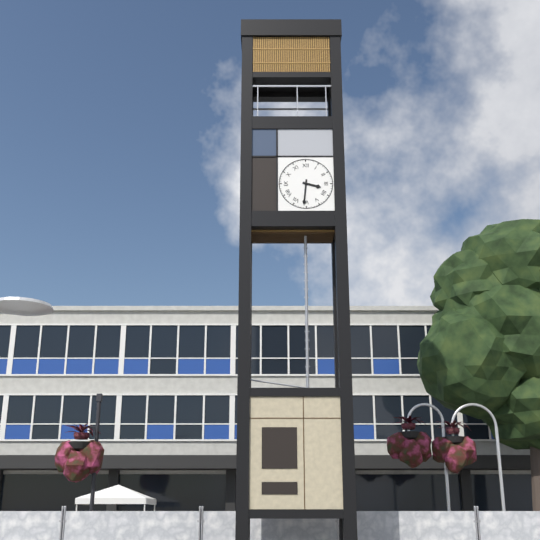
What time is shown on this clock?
3:31
